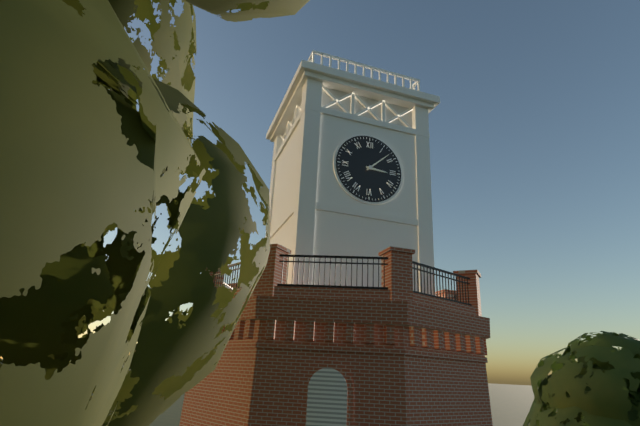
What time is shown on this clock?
3:08
